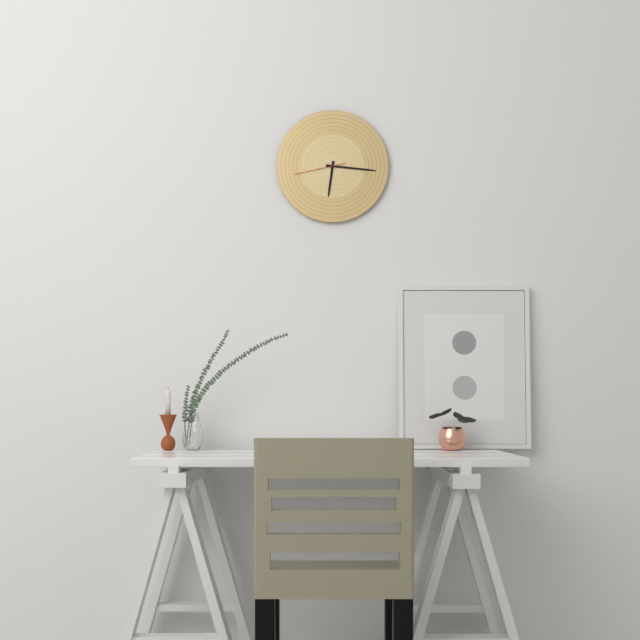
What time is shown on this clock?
6:16
